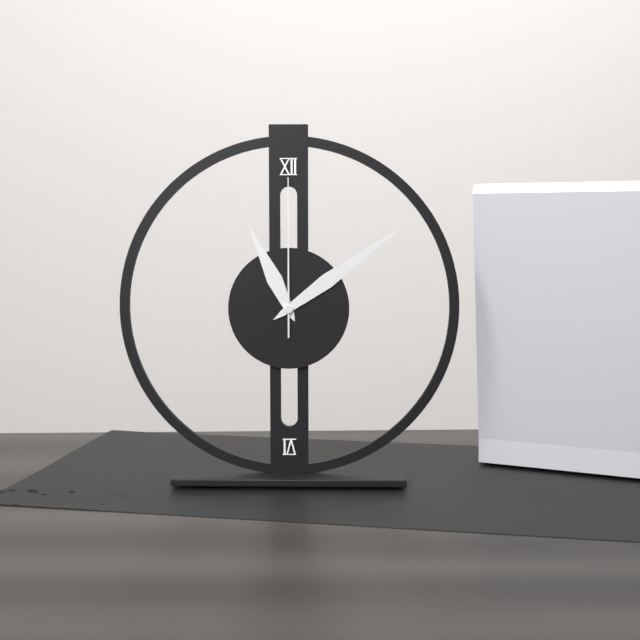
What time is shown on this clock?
11:09:00
